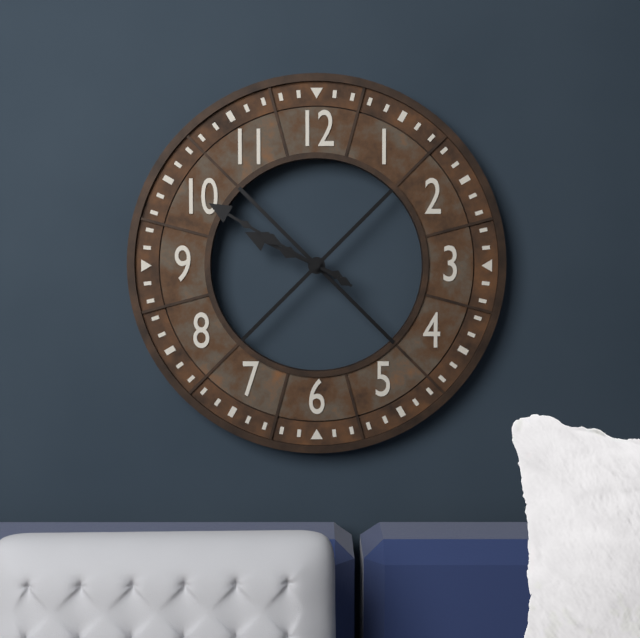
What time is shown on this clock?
9:50
